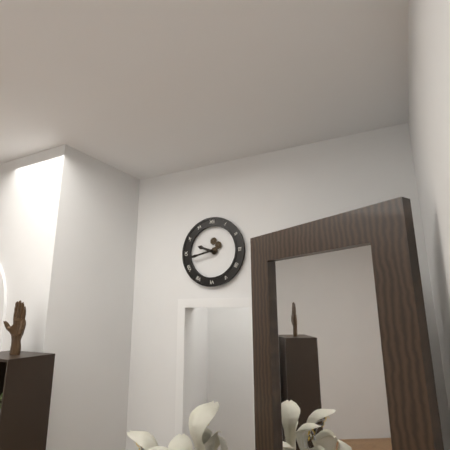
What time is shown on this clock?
9:43
